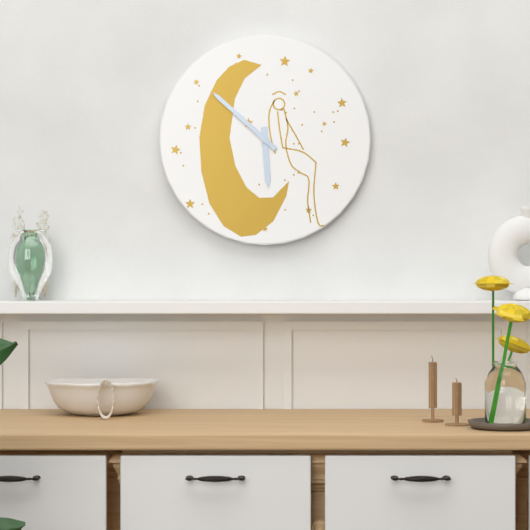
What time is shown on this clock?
5:52
